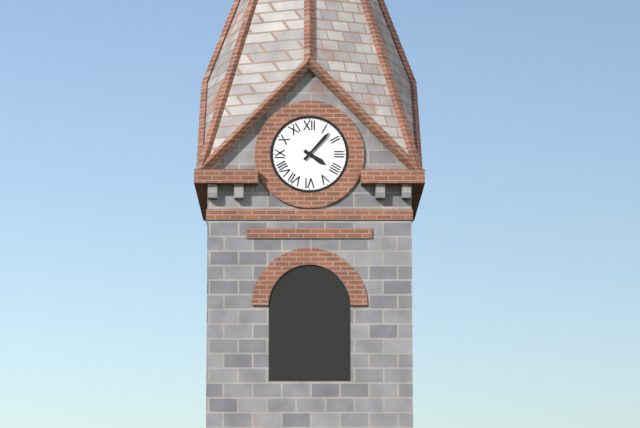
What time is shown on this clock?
4:07
